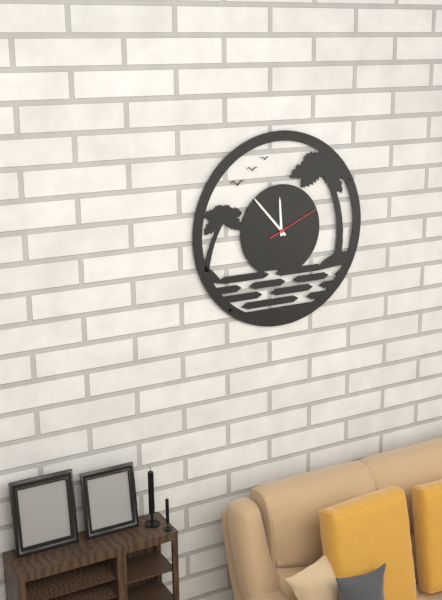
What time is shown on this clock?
11:53:11
